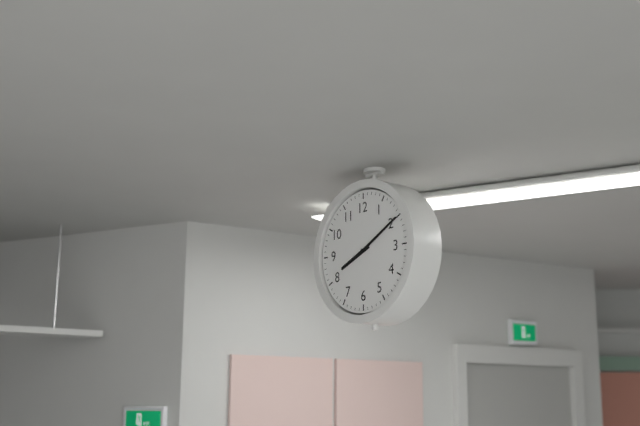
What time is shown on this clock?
8:10
